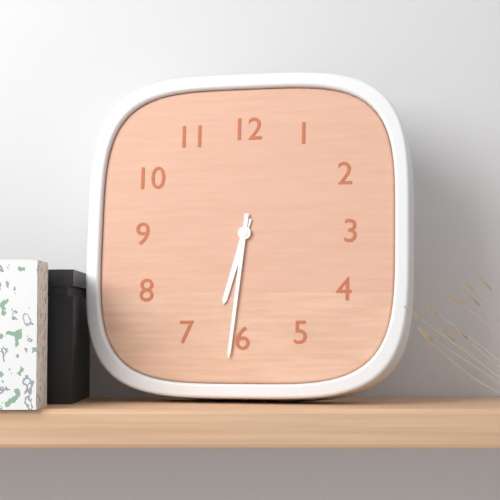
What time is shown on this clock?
6:31
